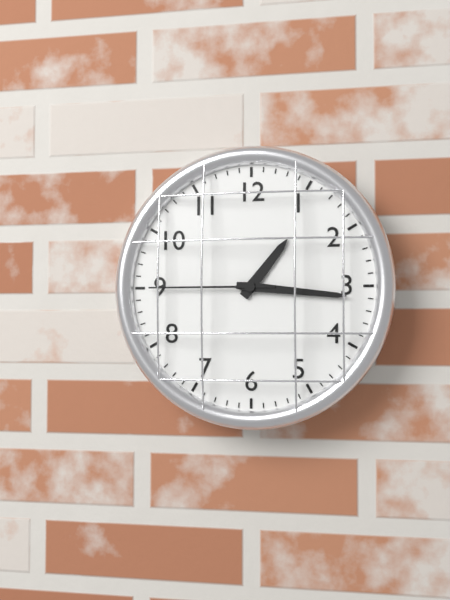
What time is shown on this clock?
1:16:45
